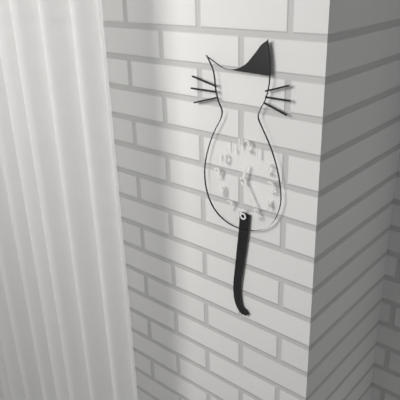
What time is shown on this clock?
12:25
